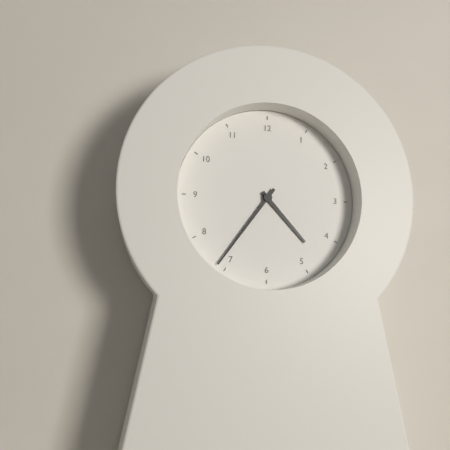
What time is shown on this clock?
4:36
